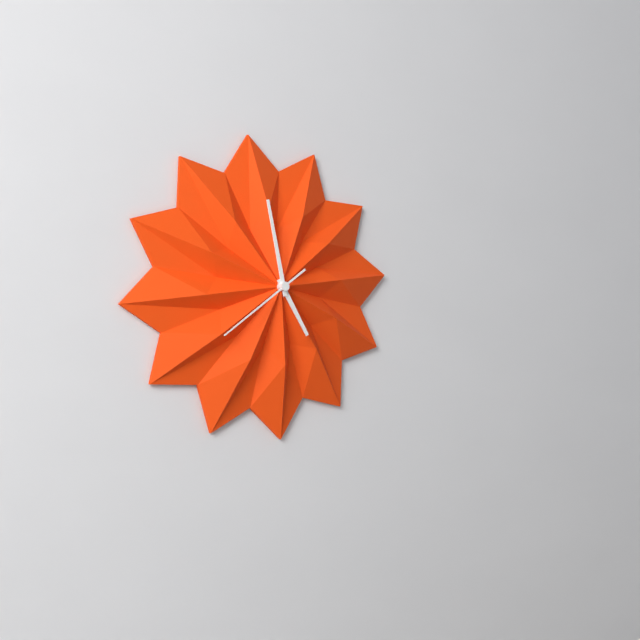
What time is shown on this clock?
4:58:39
